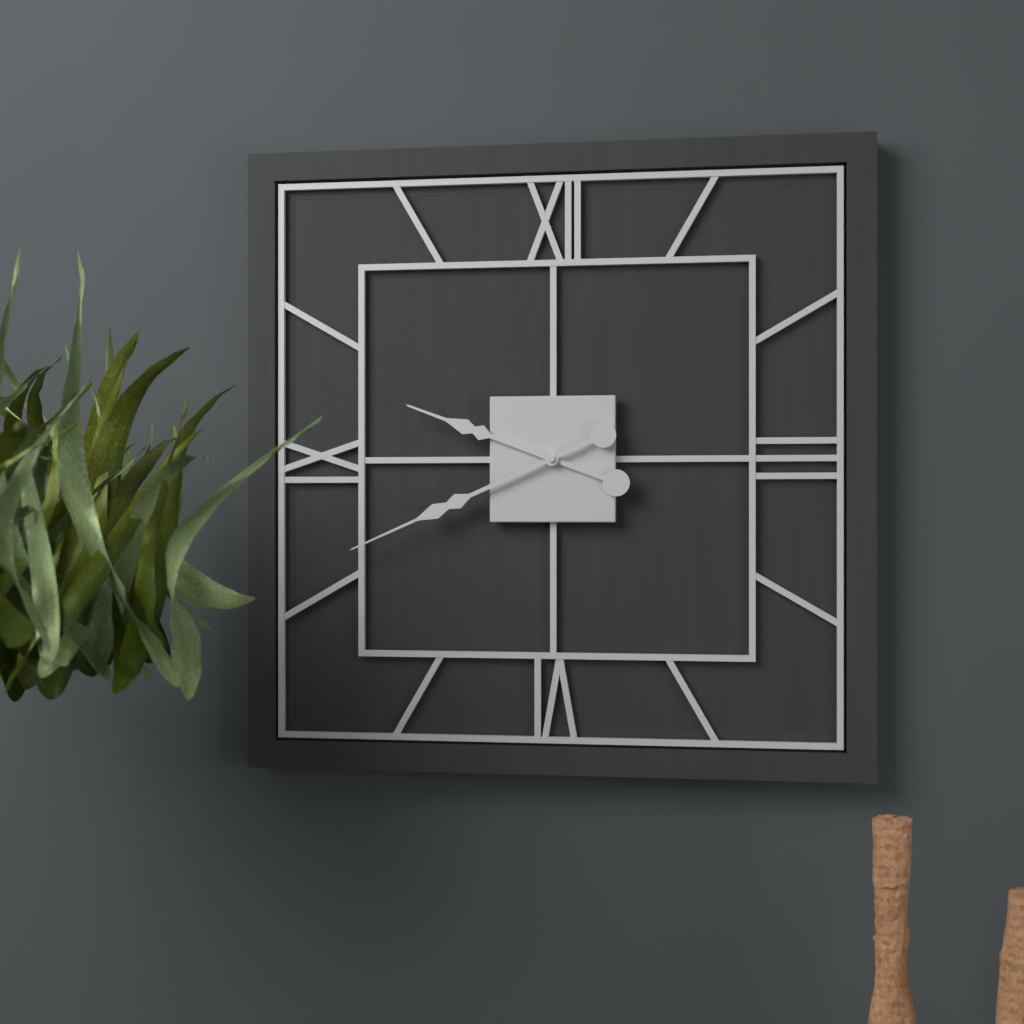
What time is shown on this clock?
9:41
